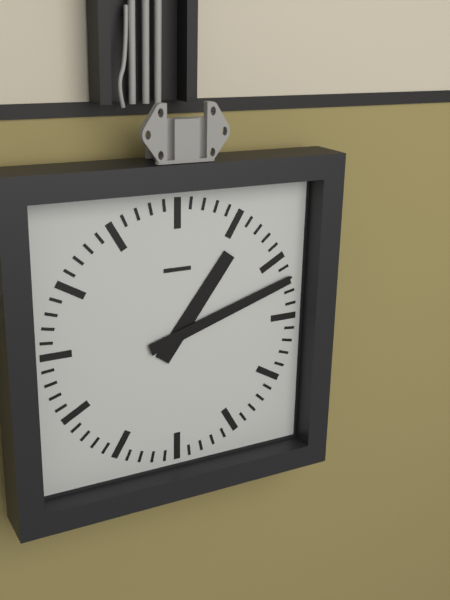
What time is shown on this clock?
1:12
